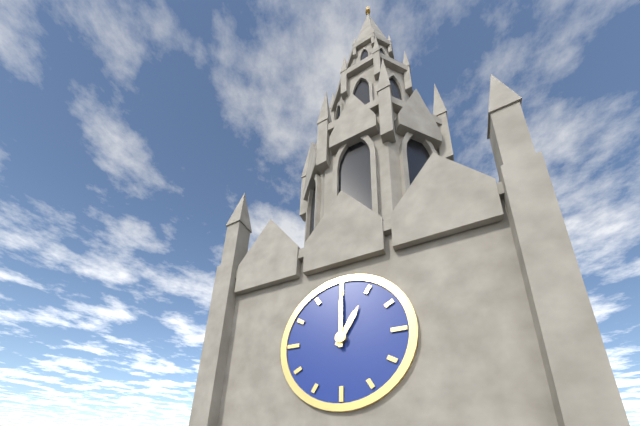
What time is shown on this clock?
1:00
